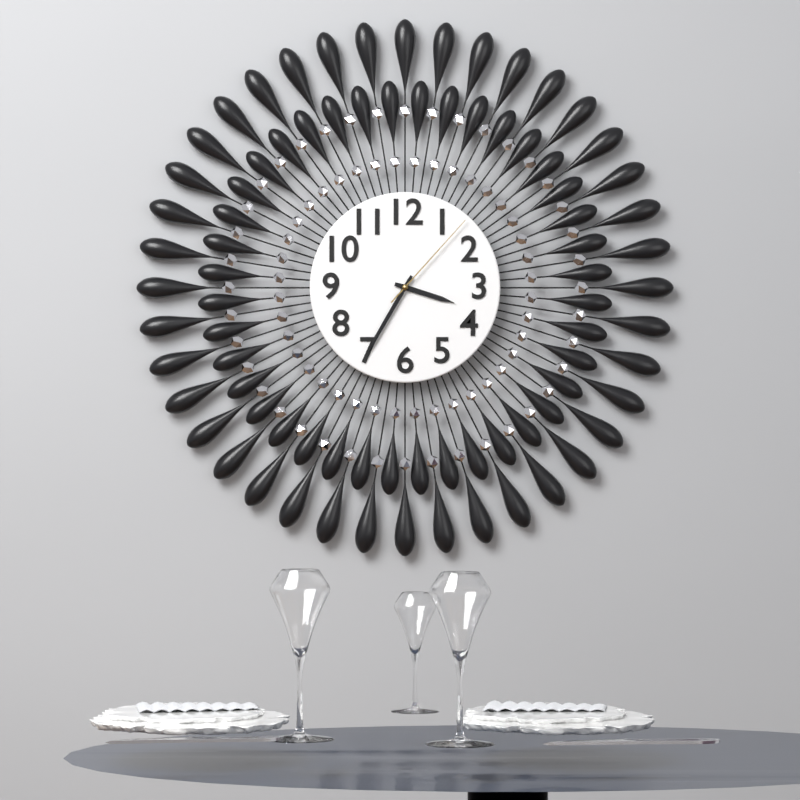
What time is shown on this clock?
3:35:07
